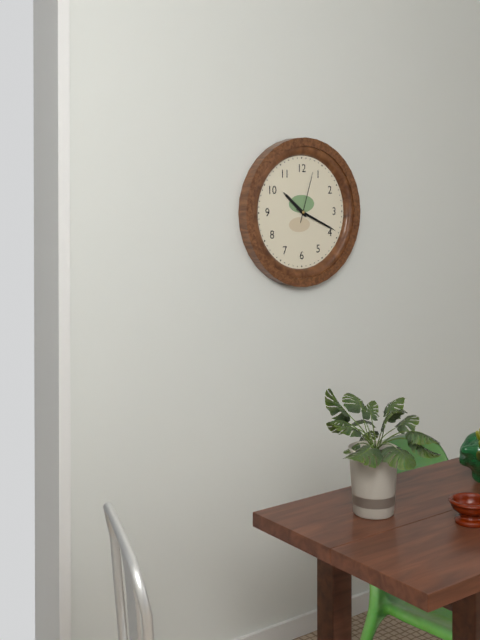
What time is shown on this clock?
10:19:03
